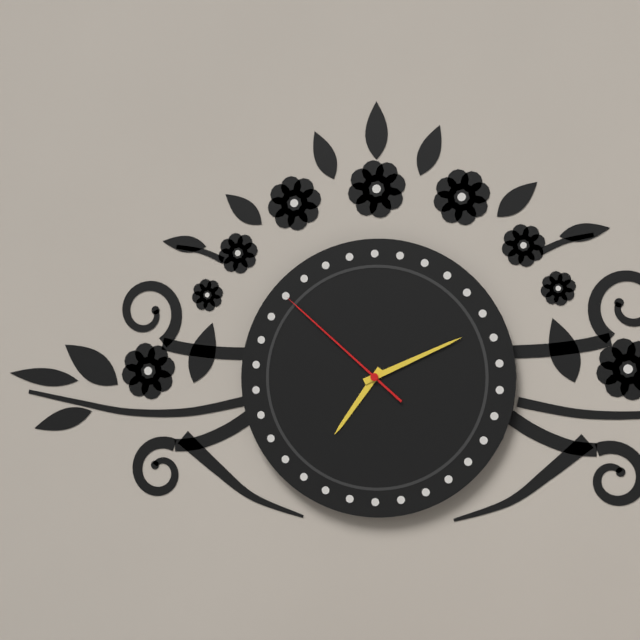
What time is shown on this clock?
7:11:52
